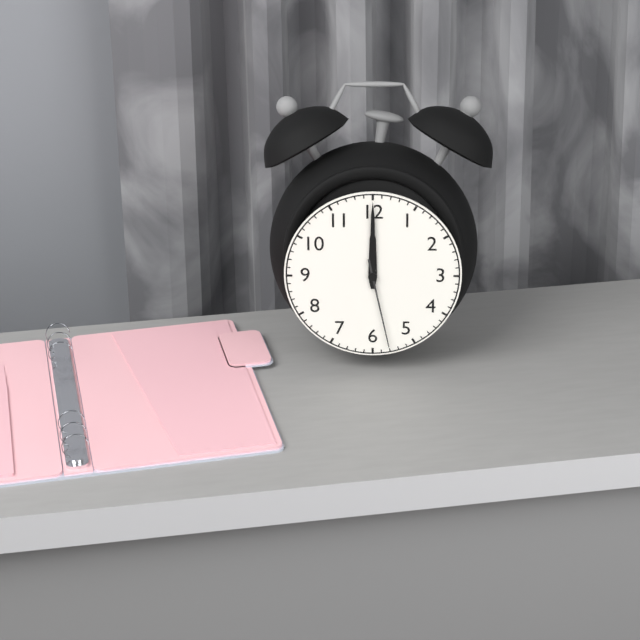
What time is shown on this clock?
12:00:28
